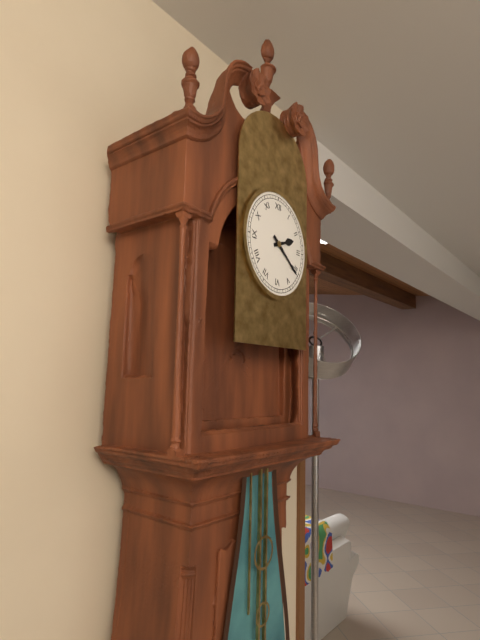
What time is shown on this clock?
2:21
